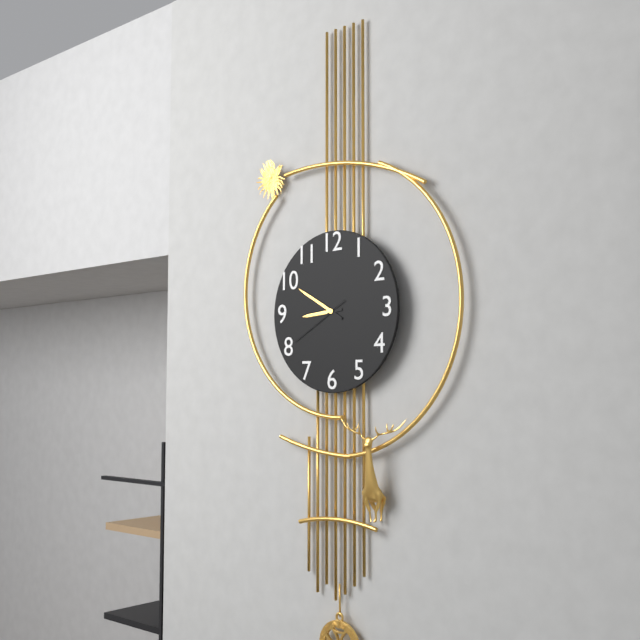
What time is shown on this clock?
8:50:40
